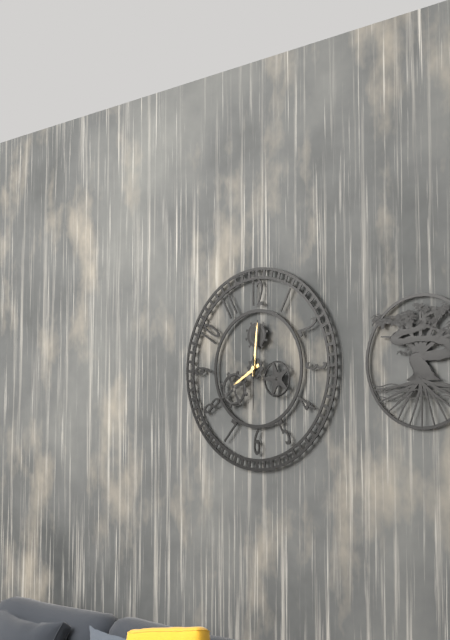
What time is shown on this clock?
8:01:30
